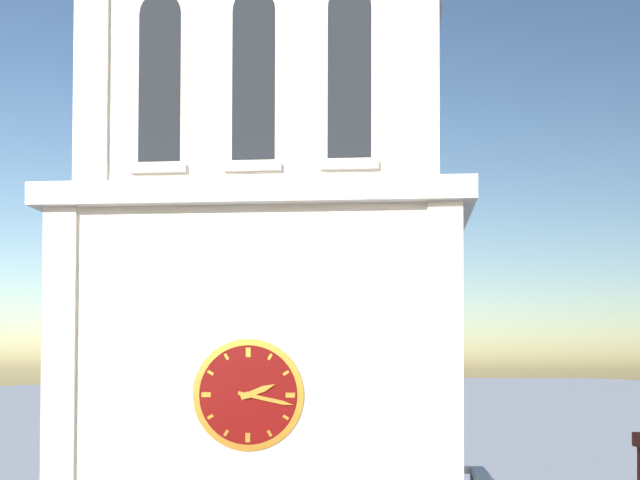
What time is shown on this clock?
2:17
